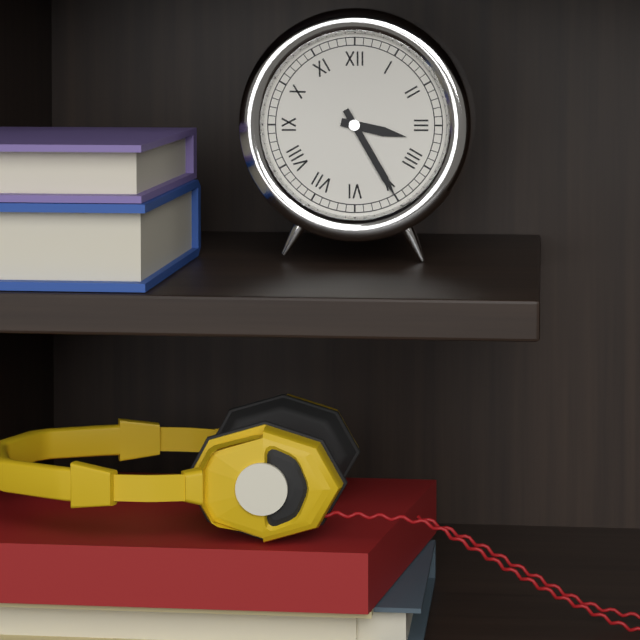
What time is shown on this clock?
3:25
